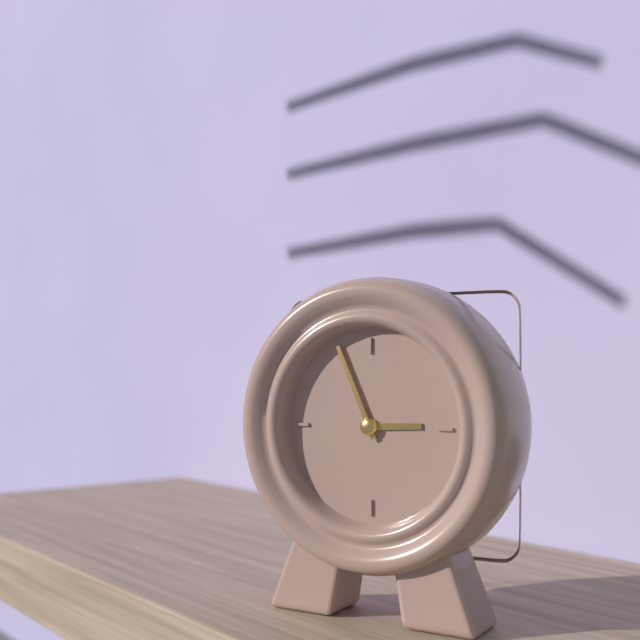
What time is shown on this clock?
2:56
